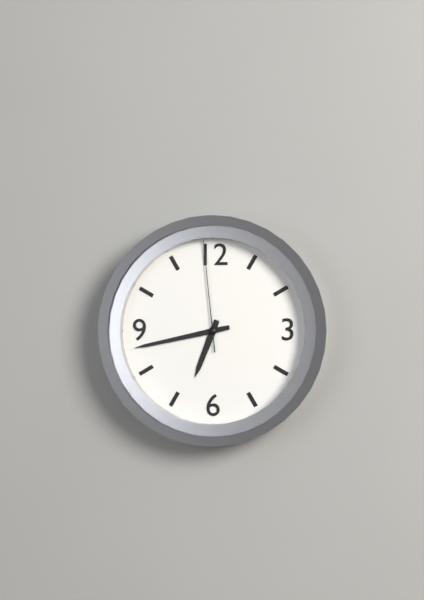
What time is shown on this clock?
6:43:59
